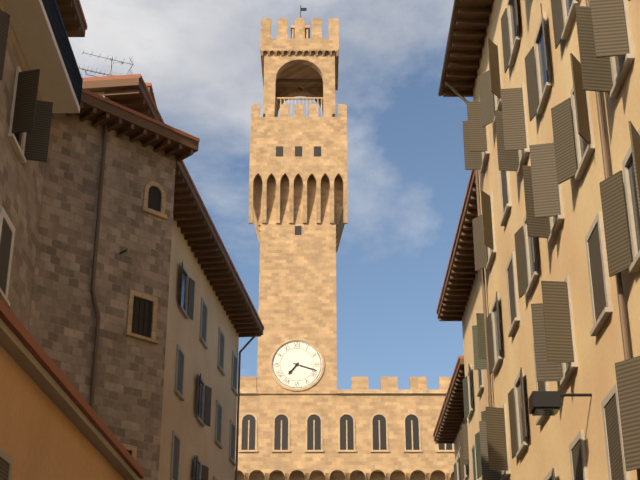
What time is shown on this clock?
7:18
